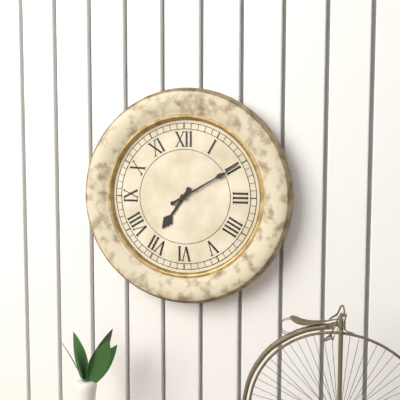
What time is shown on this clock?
7:10
